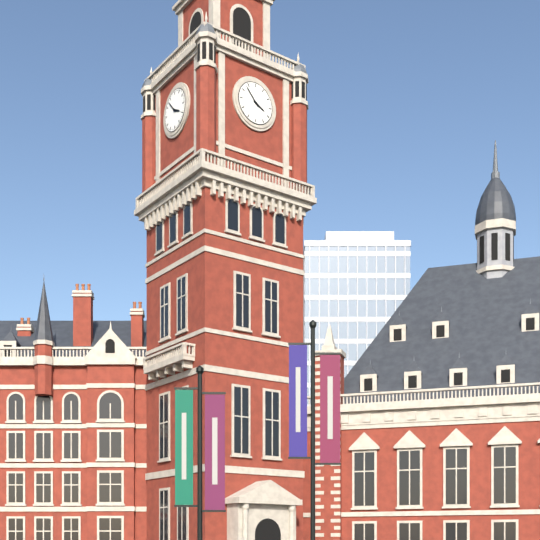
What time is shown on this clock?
3:53
